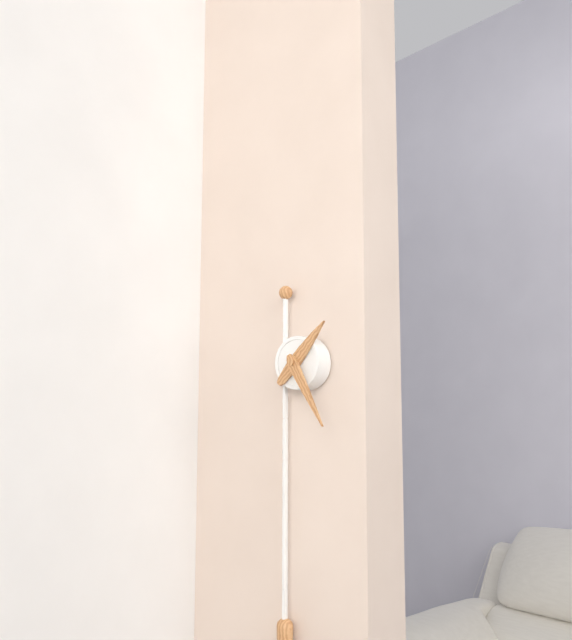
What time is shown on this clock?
1:25
